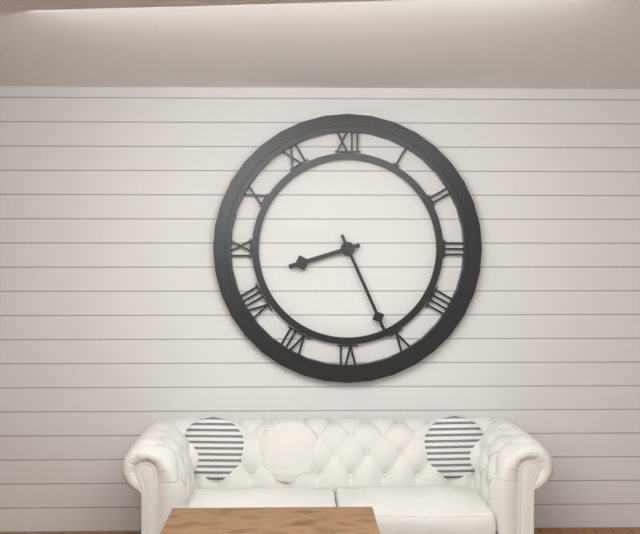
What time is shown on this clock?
8:26
